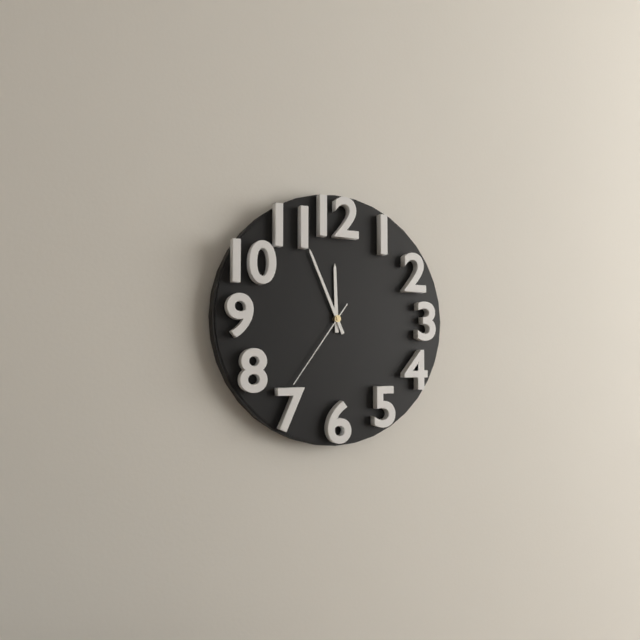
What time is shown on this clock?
11:56:36
